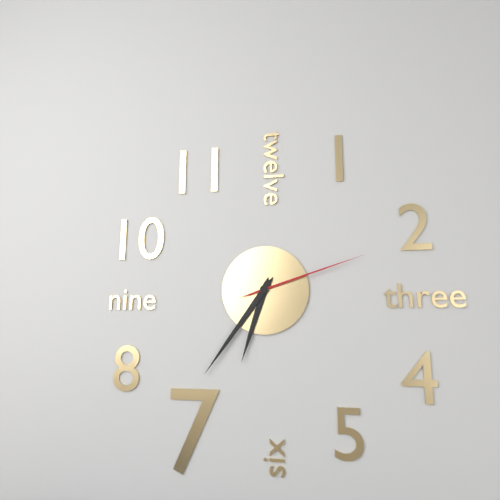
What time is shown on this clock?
6:36:12
